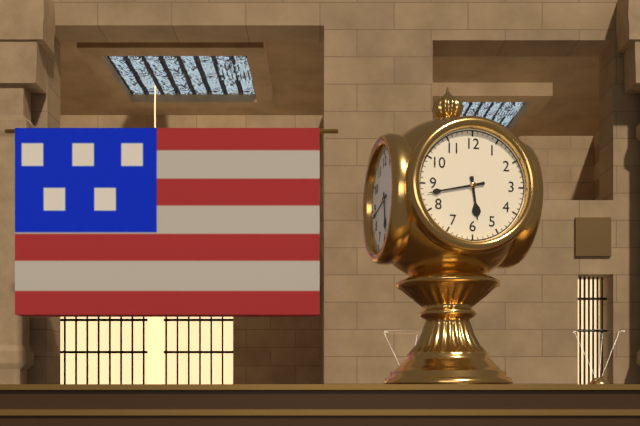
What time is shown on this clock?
5:43
